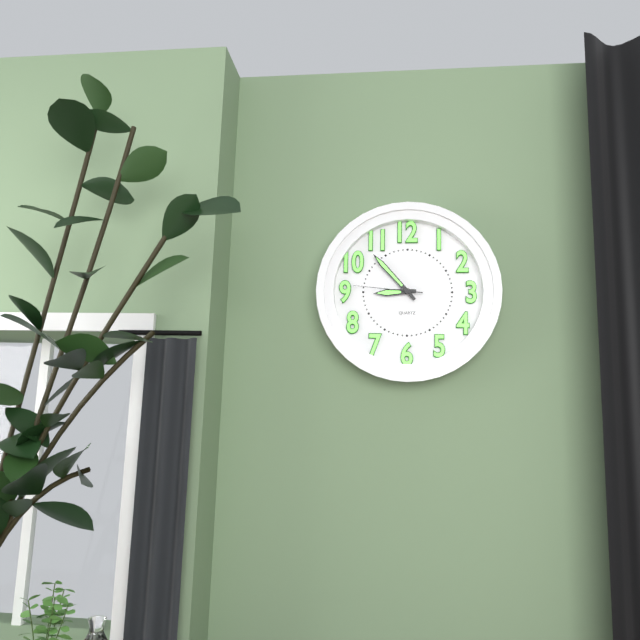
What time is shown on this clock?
8:53:46
